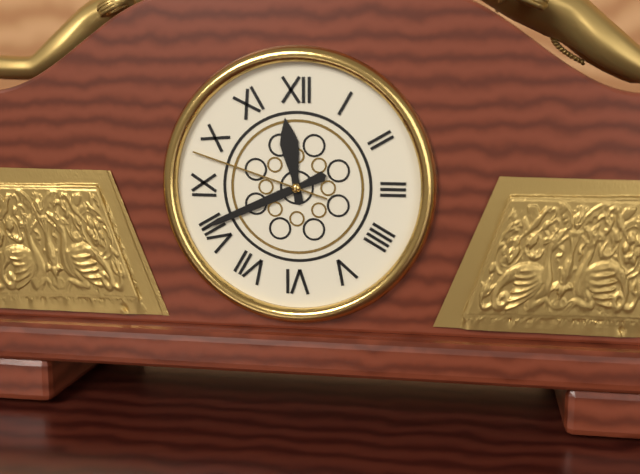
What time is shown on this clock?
11:41:48
